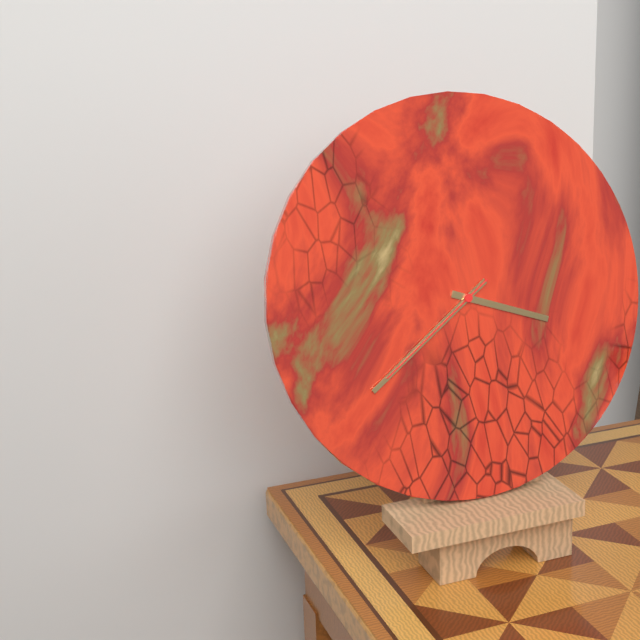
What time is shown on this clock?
3:39:39
